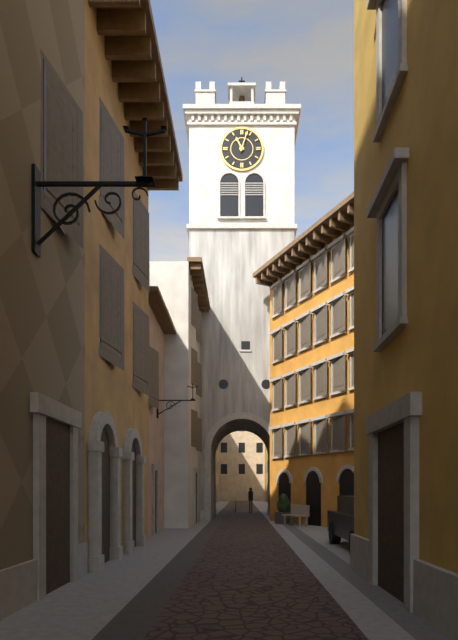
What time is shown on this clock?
11:03
